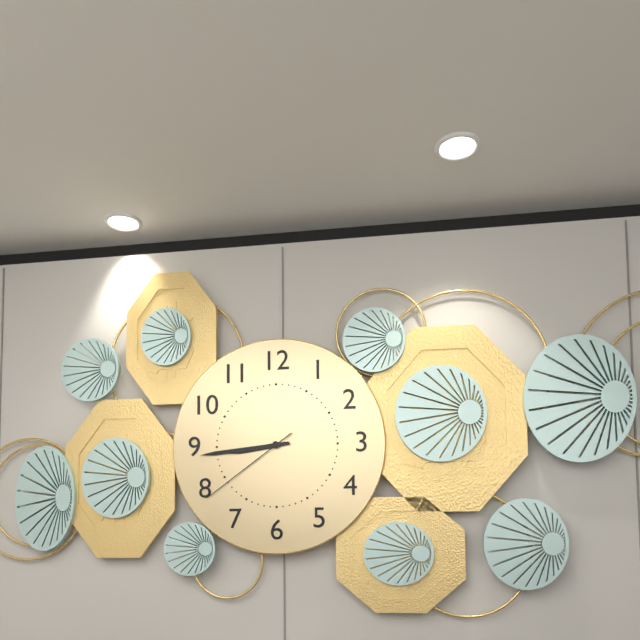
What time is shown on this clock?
8:44:39
